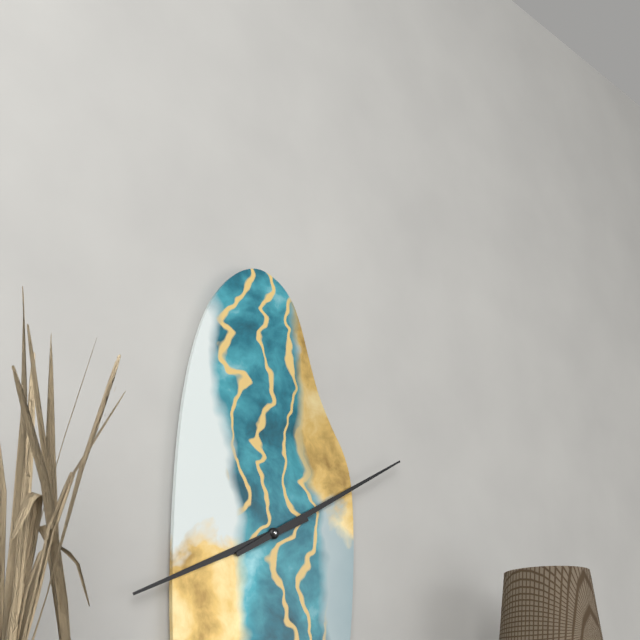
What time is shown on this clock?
8:10
